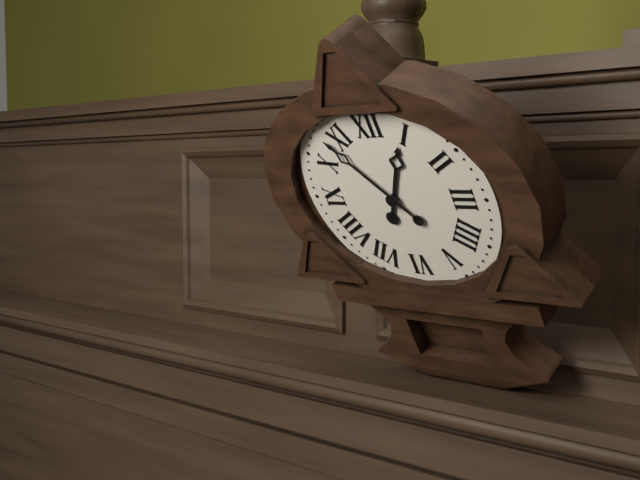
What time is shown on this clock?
12:53
